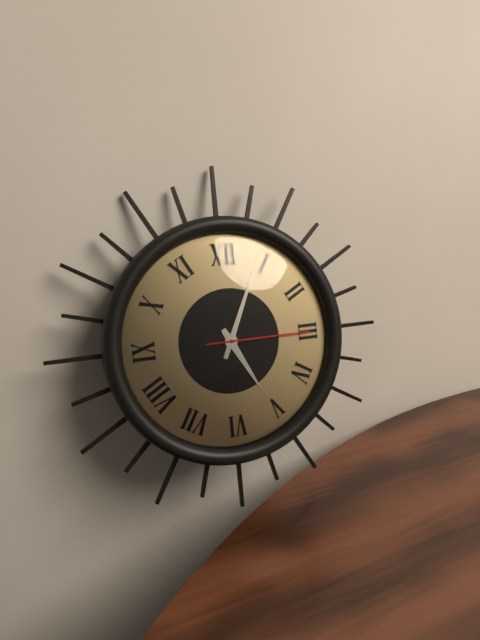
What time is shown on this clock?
5:04:15
